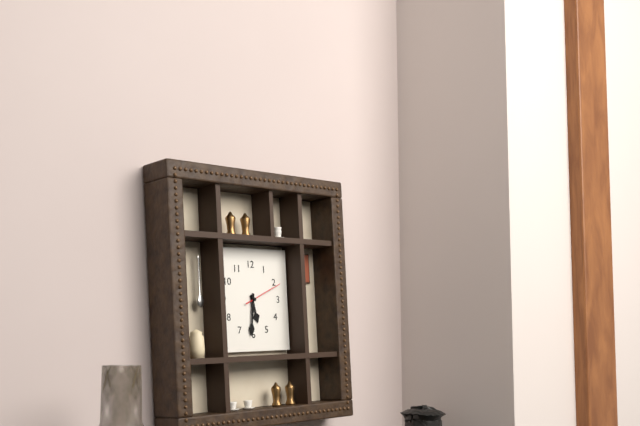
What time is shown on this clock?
5:31
